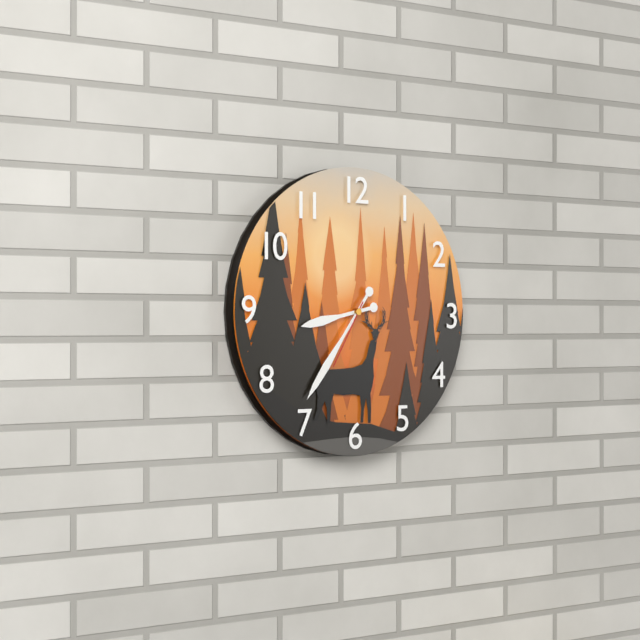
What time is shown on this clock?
8:36:35
